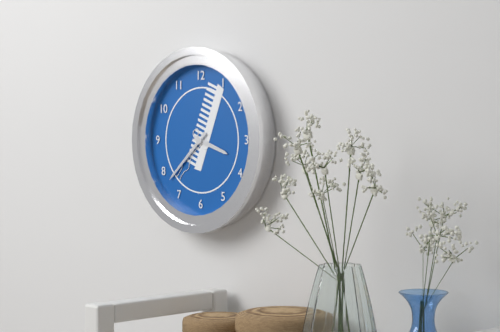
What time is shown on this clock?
3:38
